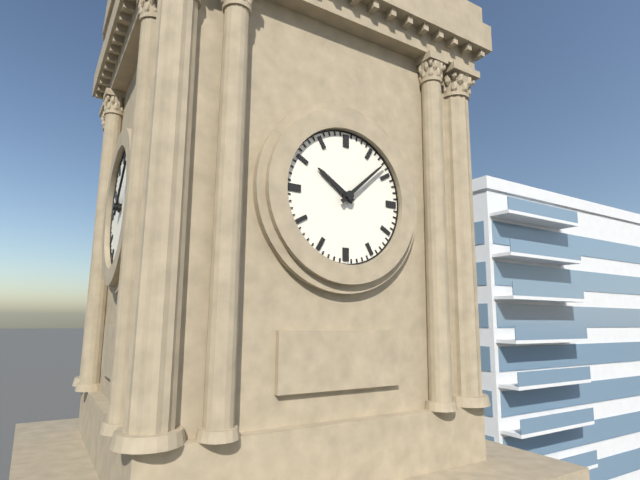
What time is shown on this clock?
10:08
